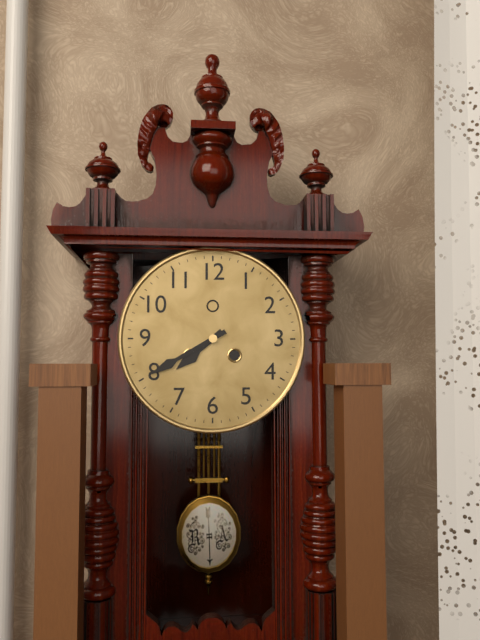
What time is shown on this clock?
7:40
